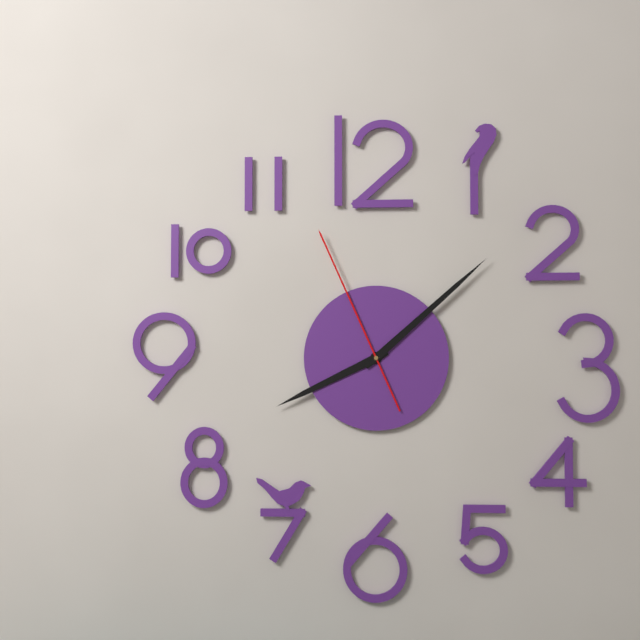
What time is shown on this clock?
8:08:56
